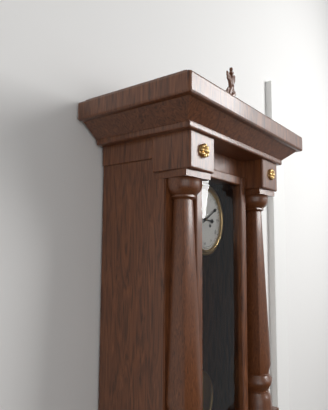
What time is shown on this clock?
3:10
